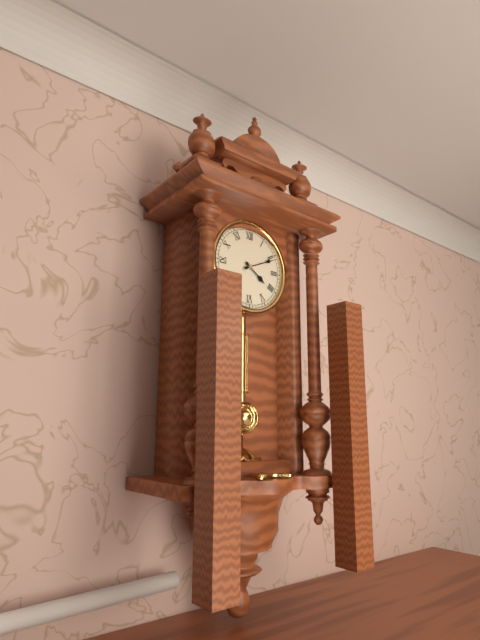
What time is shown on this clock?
4:11
